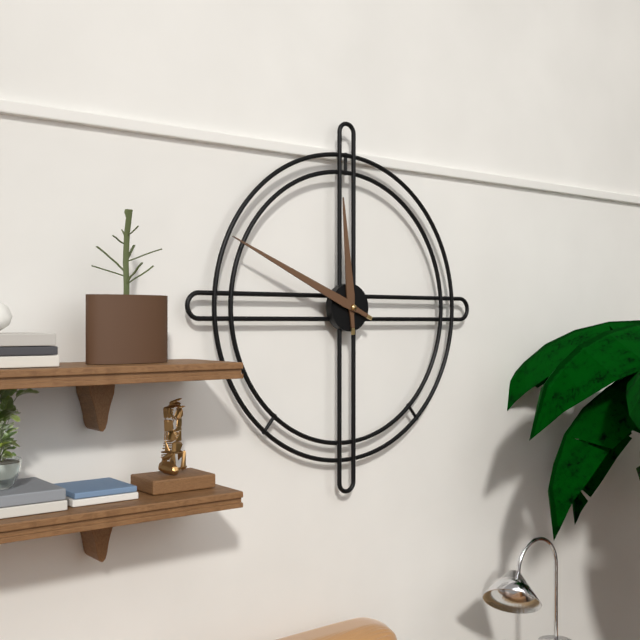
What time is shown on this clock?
11:49
